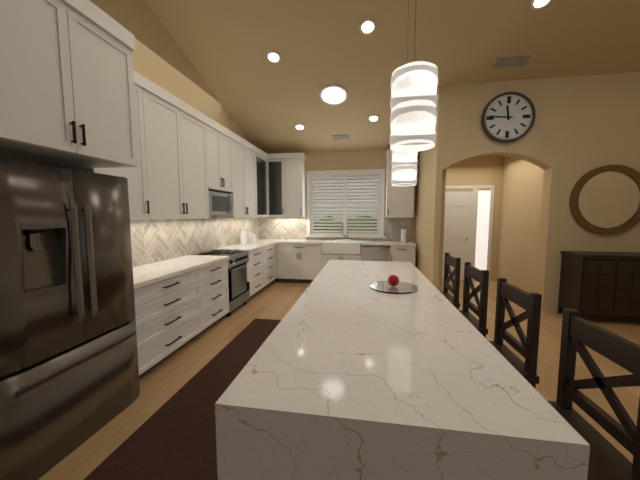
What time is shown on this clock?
11:46
